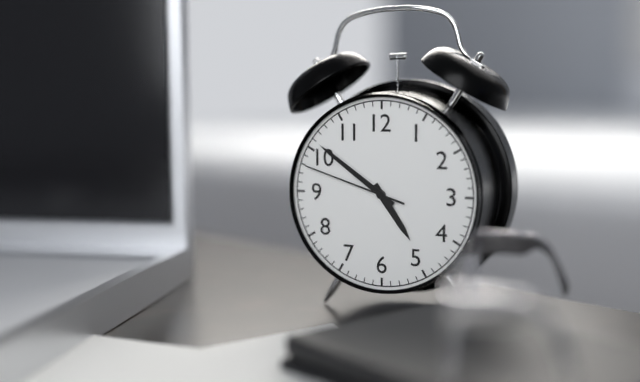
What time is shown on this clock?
4:51:48
